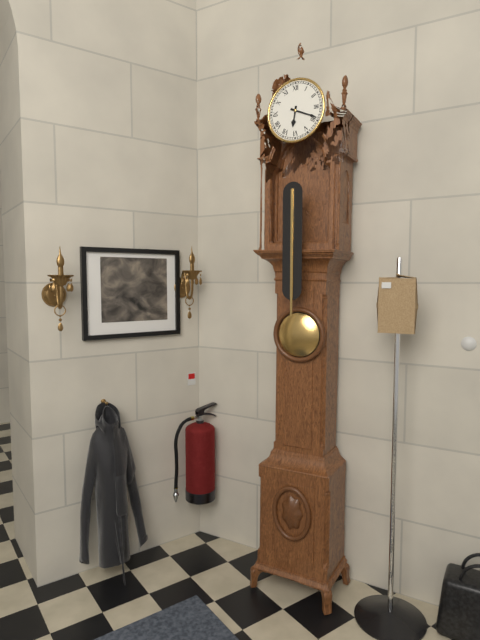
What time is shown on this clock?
6:19
